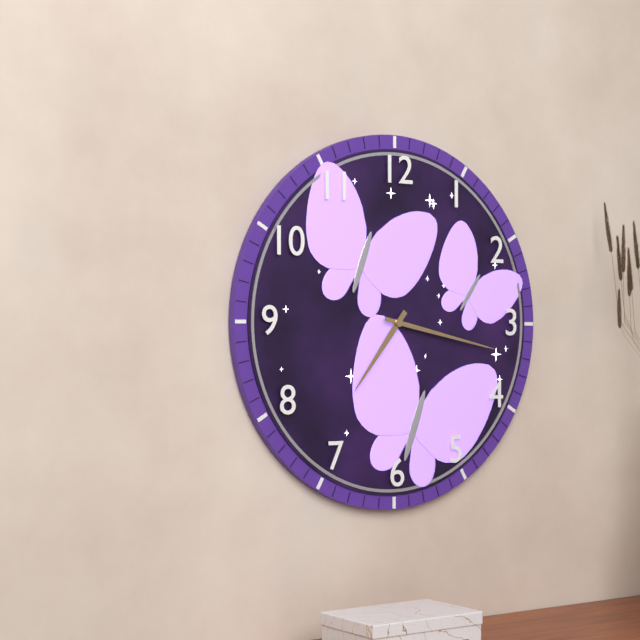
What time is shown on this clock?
7:17
